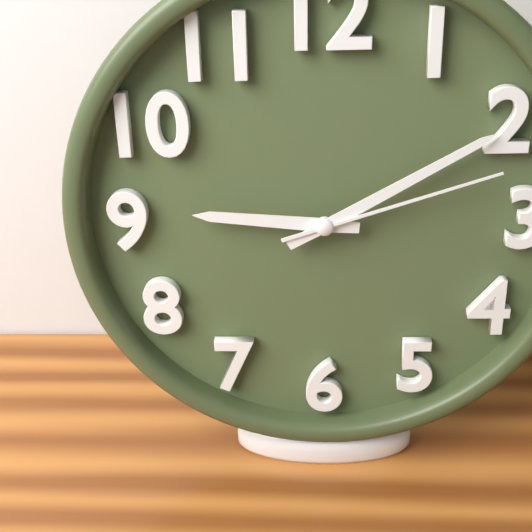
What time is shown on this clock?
9:10:12
